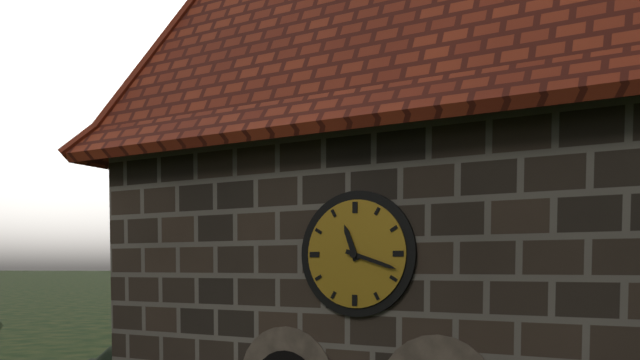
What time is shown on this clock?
11:18
